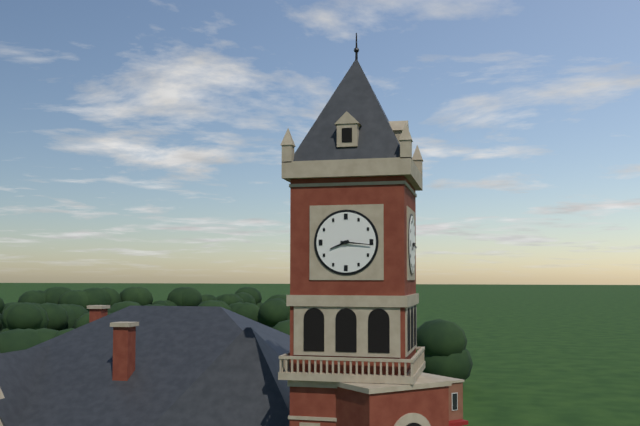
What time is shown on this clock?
8:16
